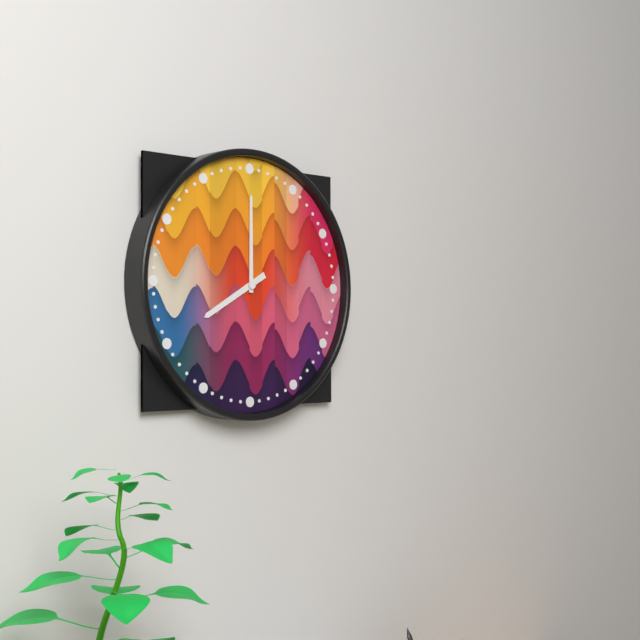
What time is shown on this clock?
8:00
